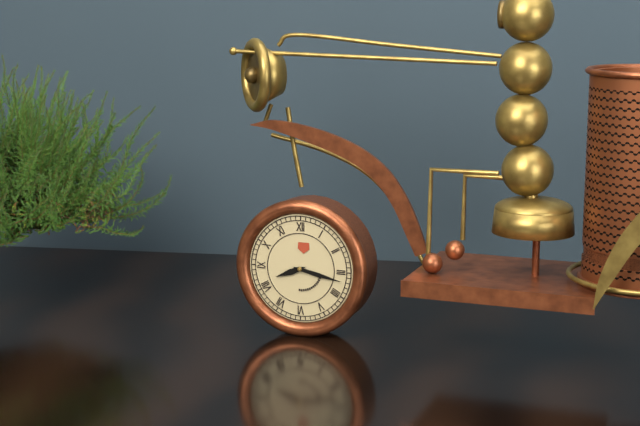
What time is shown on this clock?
8:17
